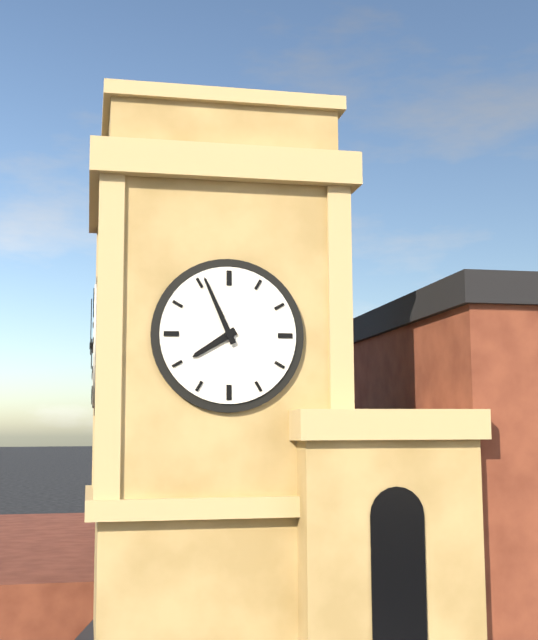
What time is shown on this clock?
7:56
